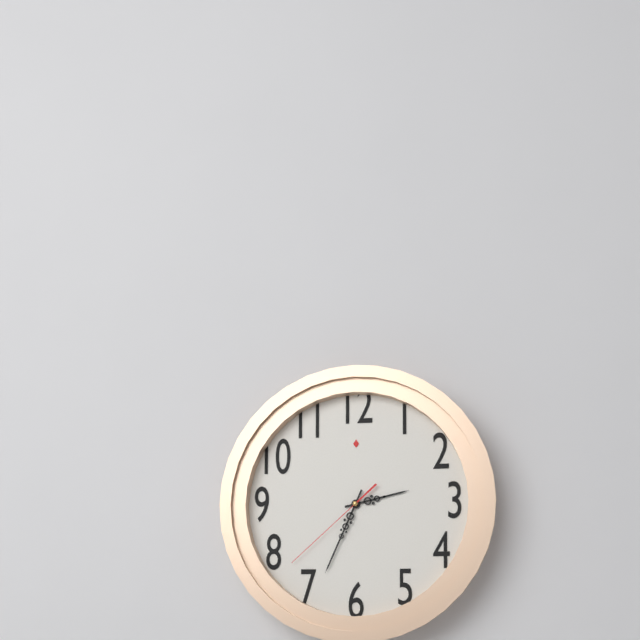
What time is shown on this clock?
2:34:38
